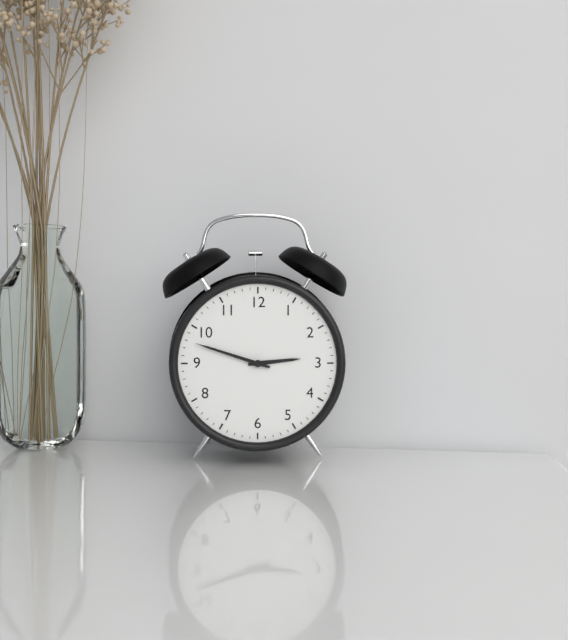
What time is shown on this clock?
2:48
